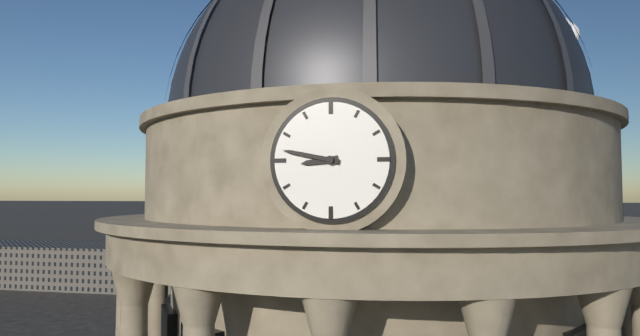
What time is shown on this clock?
8:47
